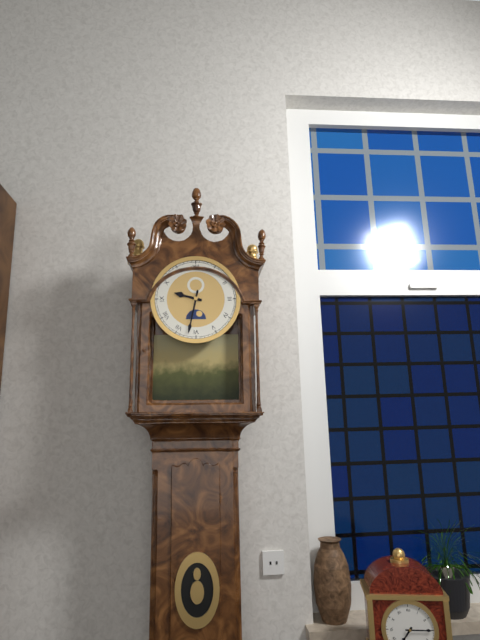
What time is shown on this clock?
9:32
